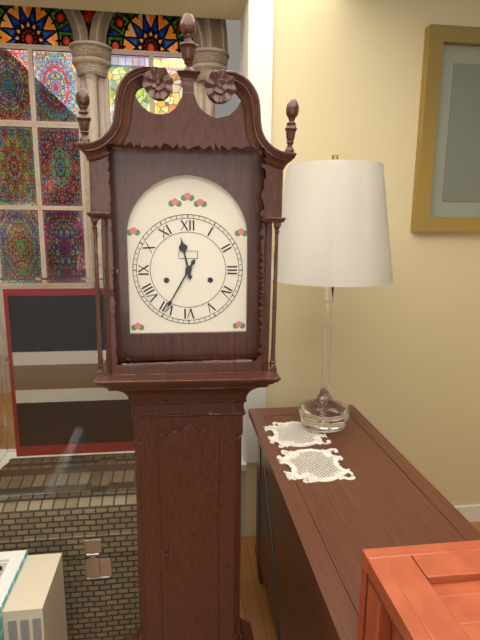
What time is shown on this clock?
11:35
